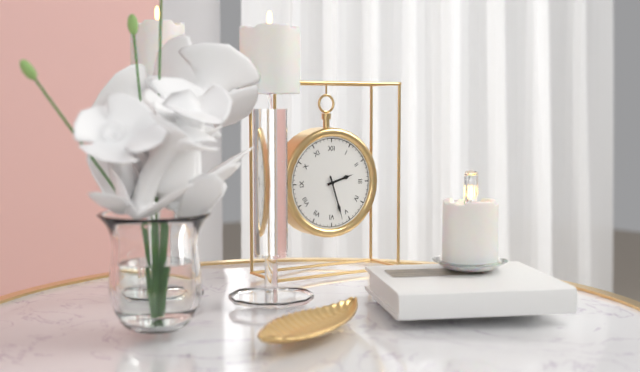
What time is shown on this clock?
2:27
